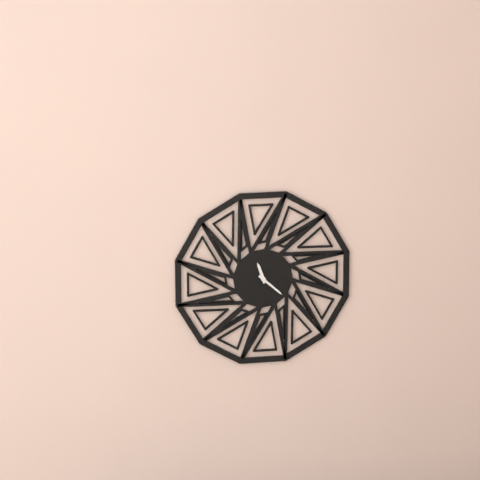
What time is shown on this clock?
11:22
